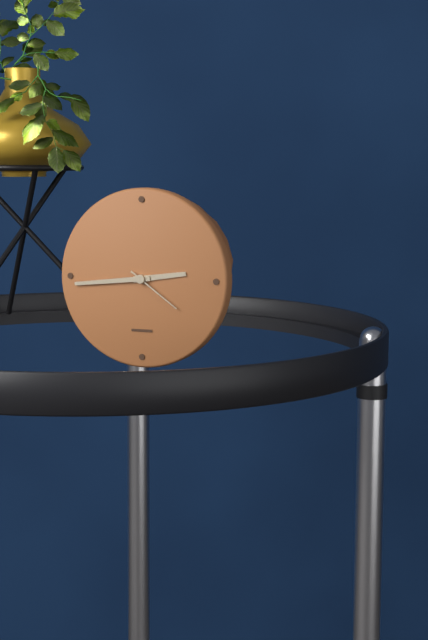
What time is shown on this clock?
2:44:21
